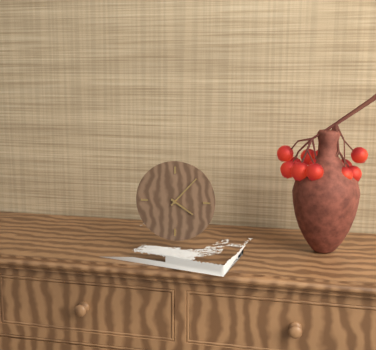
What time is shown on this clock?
4:07
